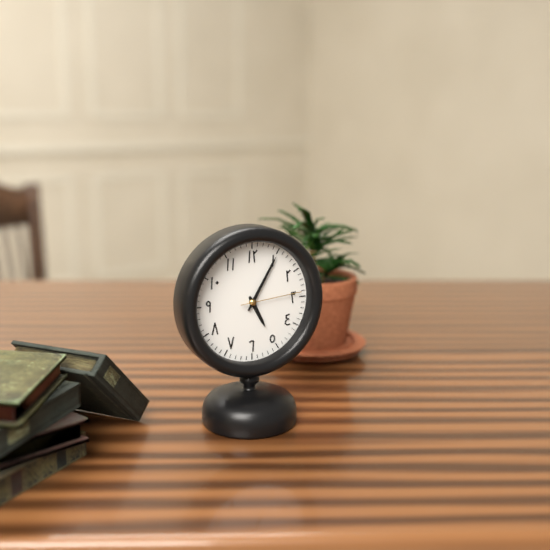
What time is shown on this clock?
5:05:14
